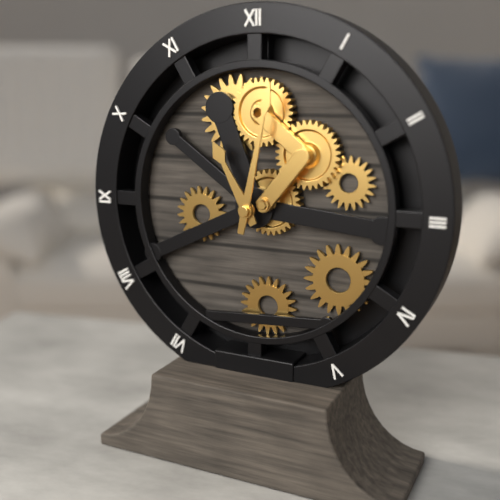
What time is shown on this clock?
11:02
